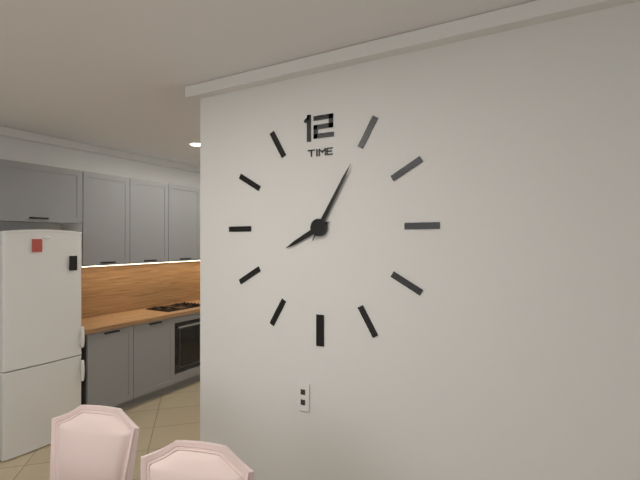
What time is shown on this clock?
8:05
